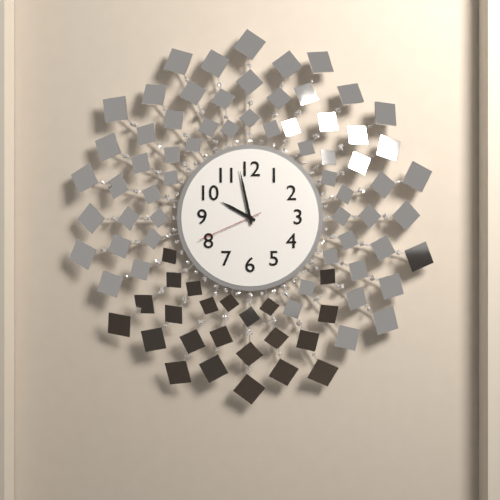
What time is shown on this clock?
9:58:41
